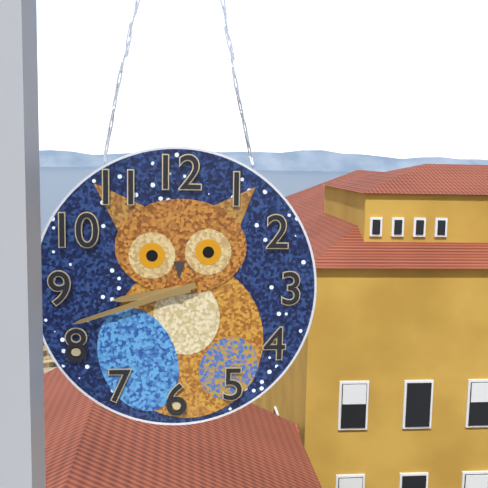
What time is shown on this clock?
8:42
